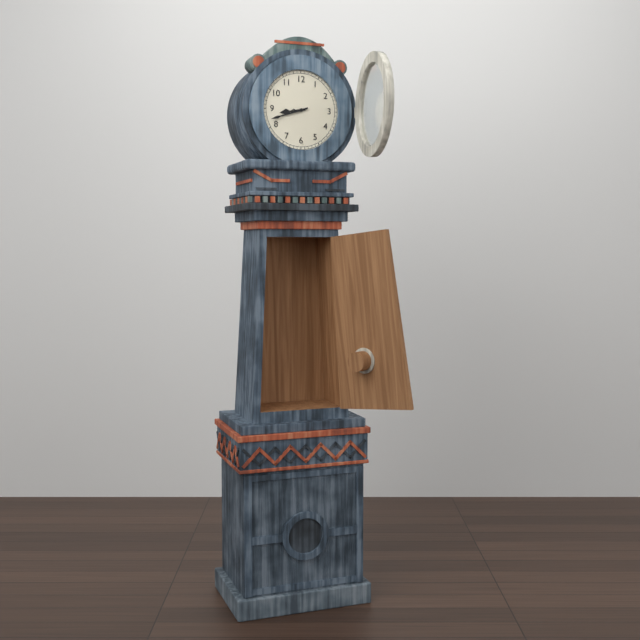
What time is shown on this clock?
8:42
